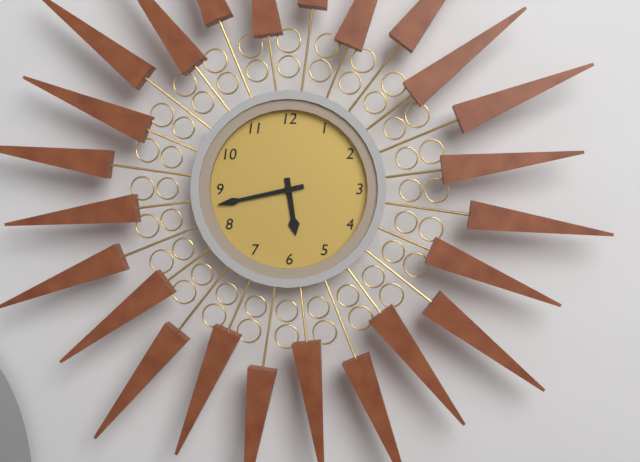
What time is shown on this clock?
5:43
